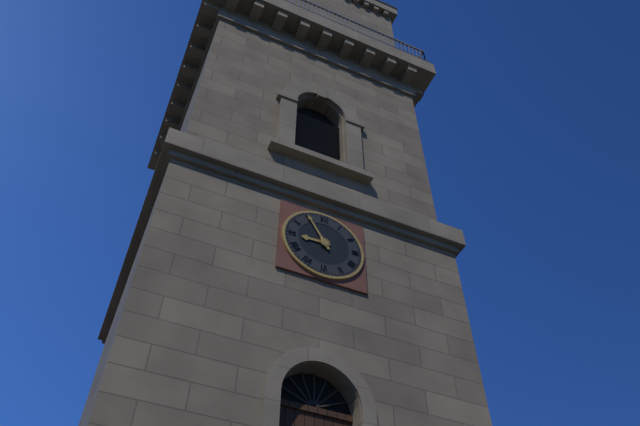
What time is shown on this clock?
8:55
